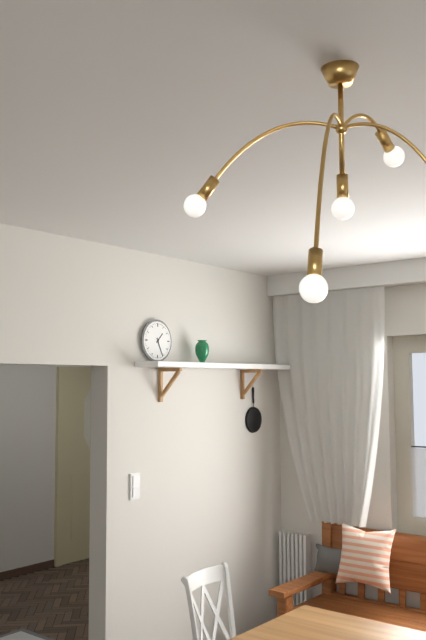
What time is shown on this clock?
1:26
